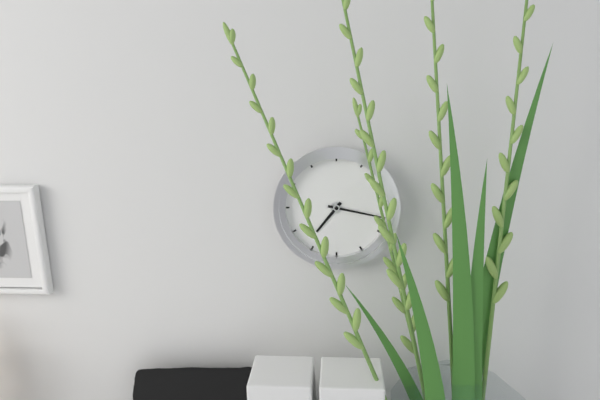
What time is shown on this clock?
7:17
